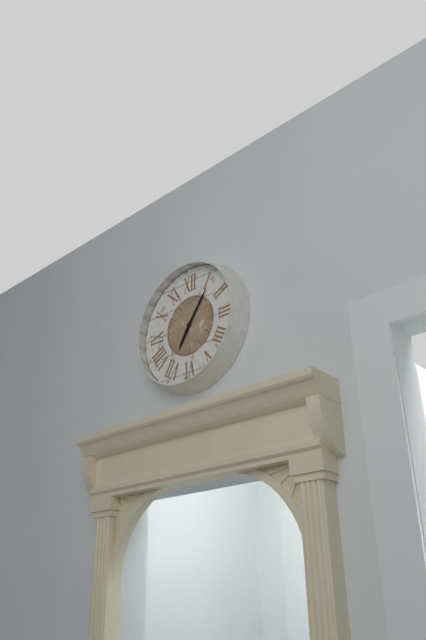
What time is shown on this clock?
7:06
